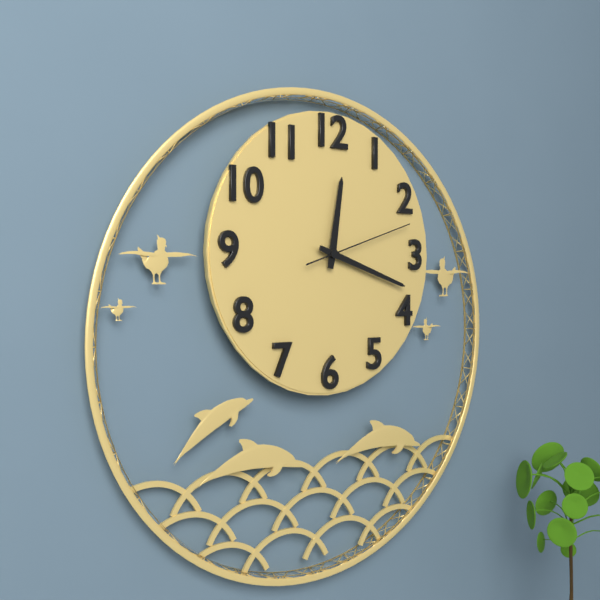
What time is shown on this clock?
12:18:12
